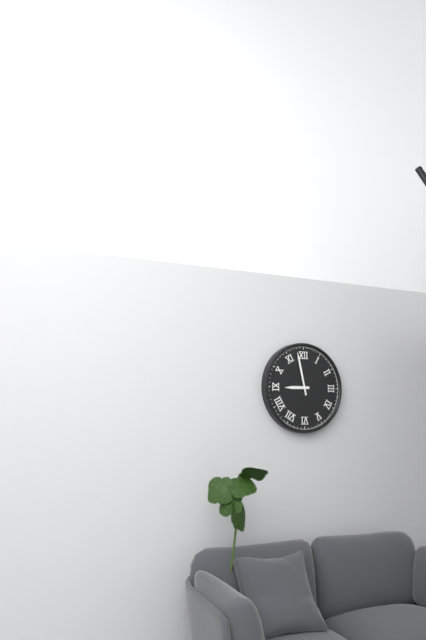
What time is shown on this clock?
8:58
